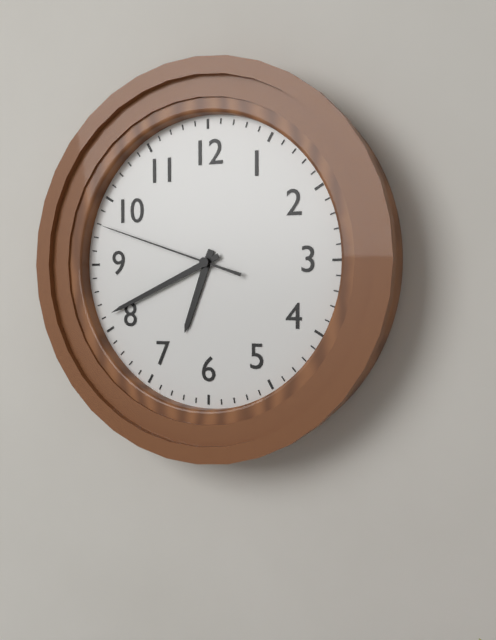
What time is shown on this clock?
6:41:48
